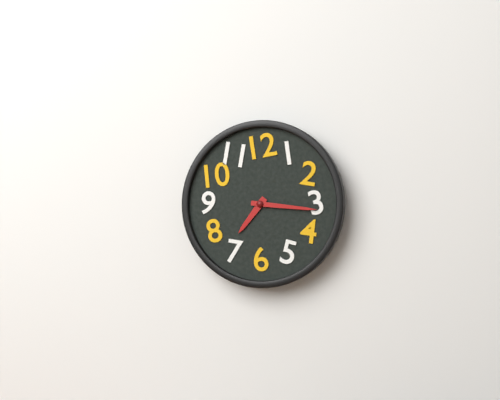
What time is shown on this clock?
7:16
